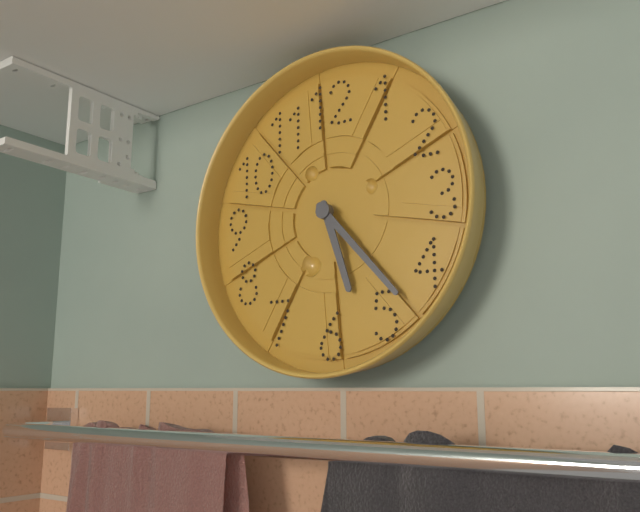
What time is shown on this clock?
5:23
